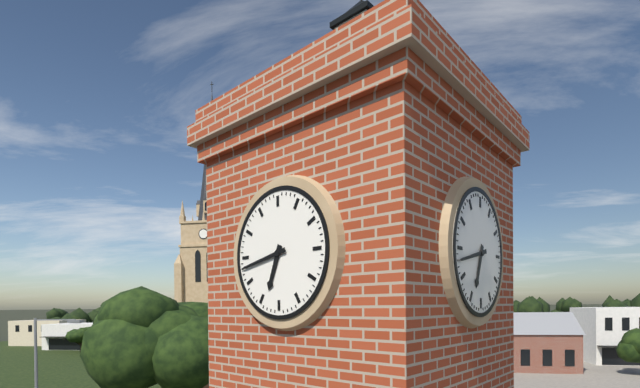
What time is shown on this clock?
6:43
